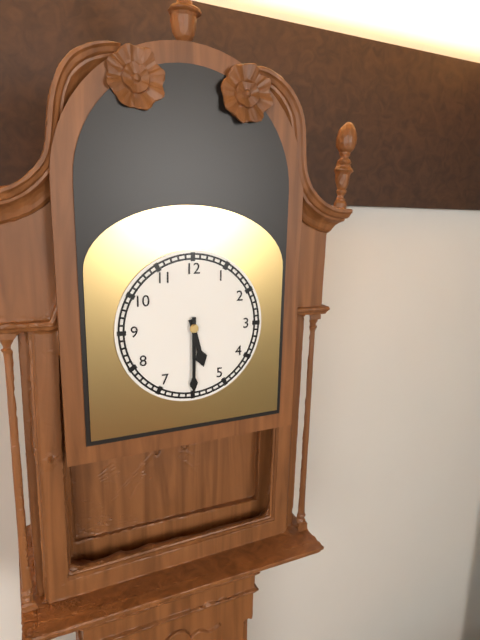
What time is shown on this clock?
5:30
